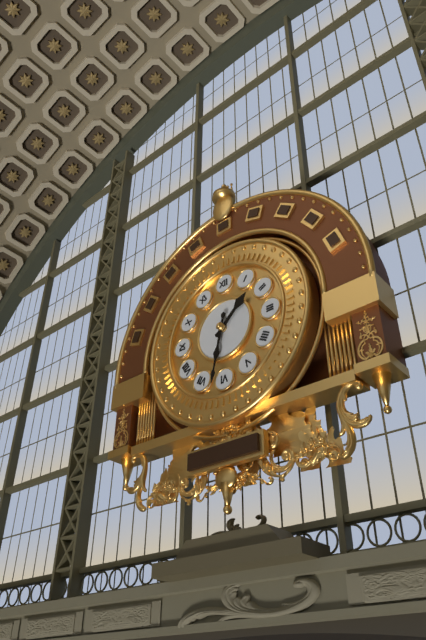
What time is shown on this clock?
1:32
